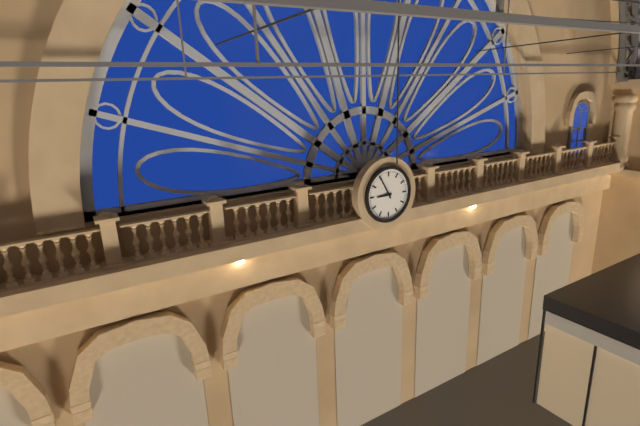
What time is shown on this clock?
8:55
